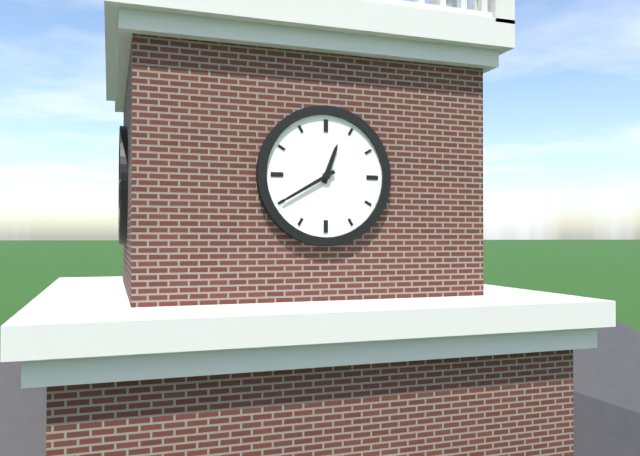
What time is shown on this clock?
12:40
